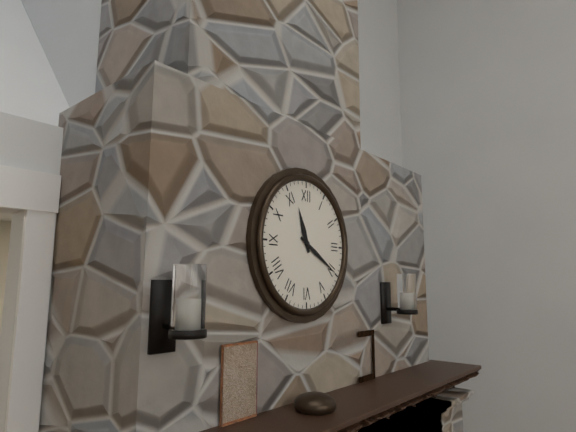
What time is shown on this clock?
11:20
